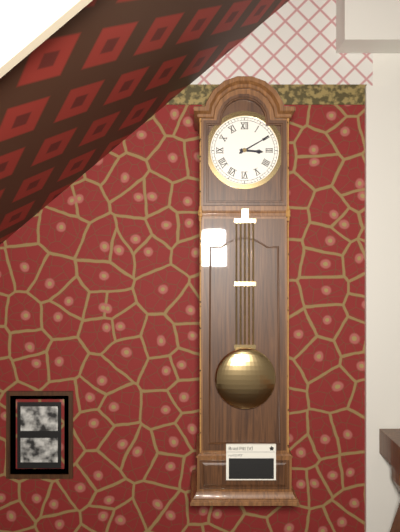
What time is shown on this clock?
3:10
